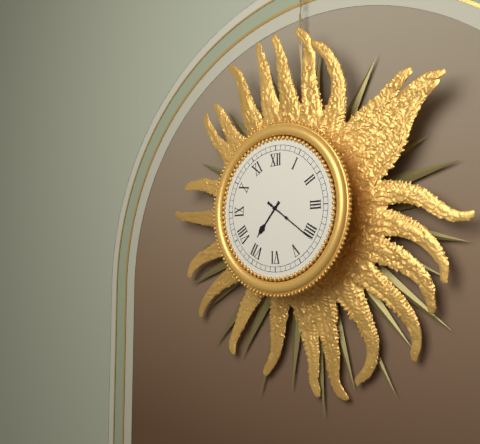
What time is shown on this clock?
7:21
